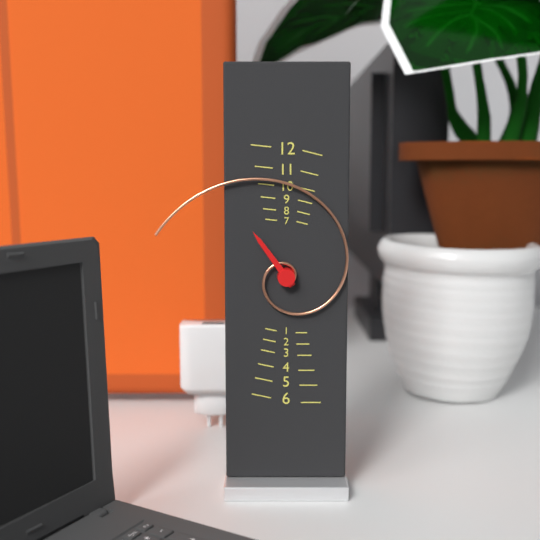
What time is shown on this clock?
10:48
